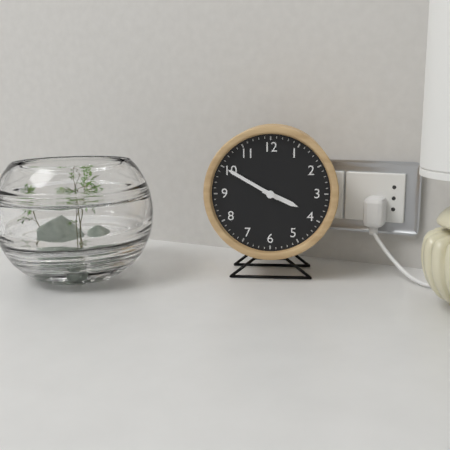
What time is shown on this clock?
3:50
